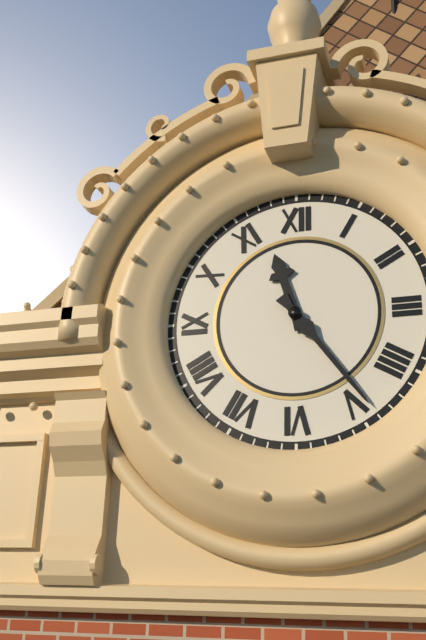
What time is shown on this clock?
11:24
